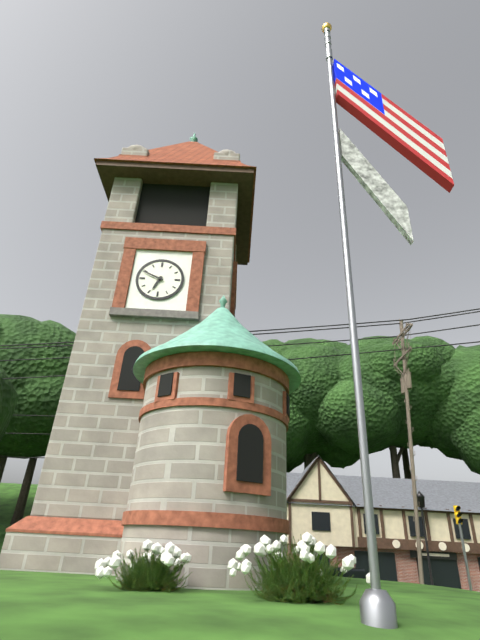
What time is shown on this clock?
6:49
